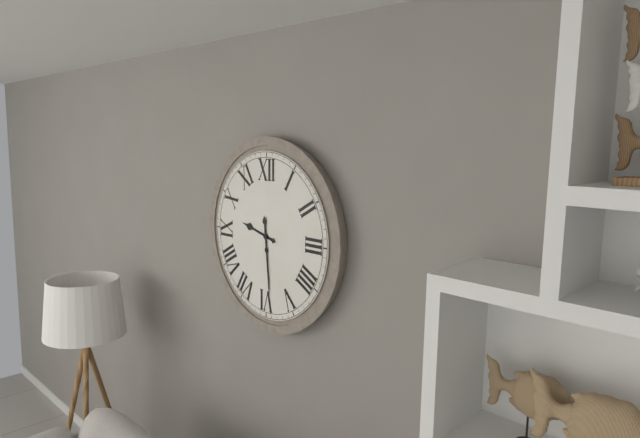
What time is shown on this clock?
9:29
